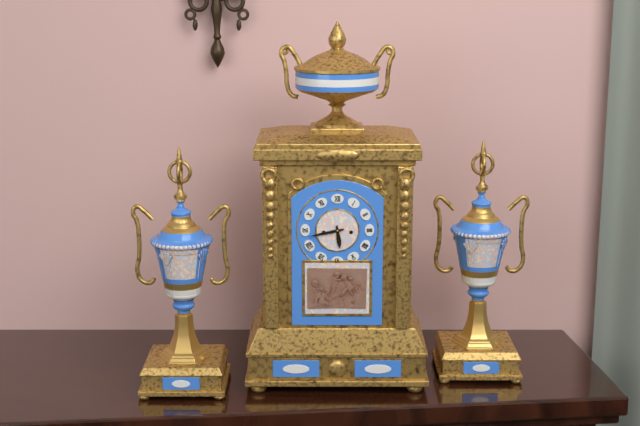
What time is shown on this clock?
5:43
